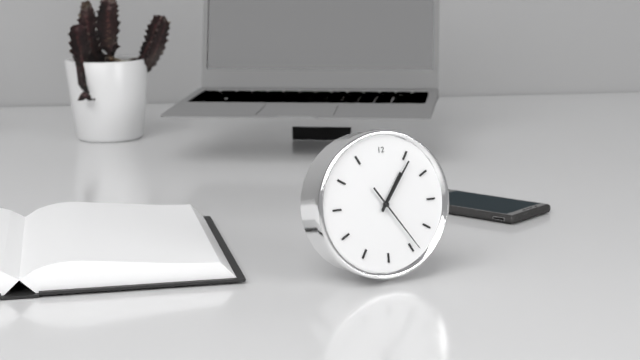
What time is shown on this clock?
1:06:24
